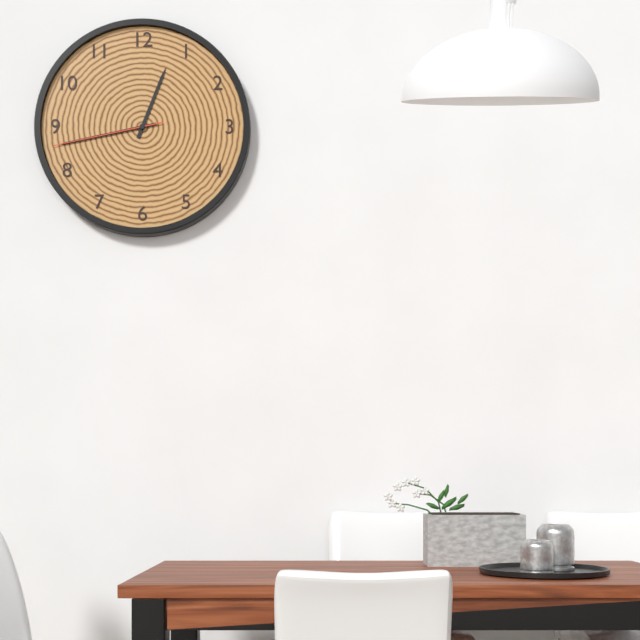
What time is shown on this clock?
12:43:43
